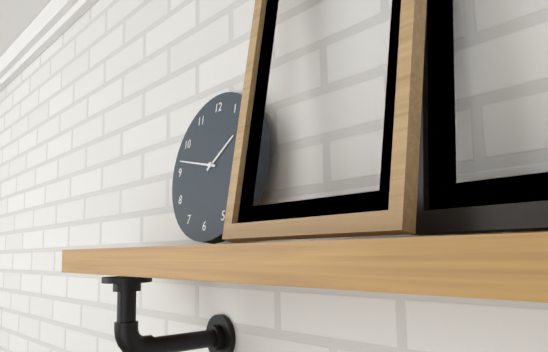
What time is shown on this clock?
1:47
